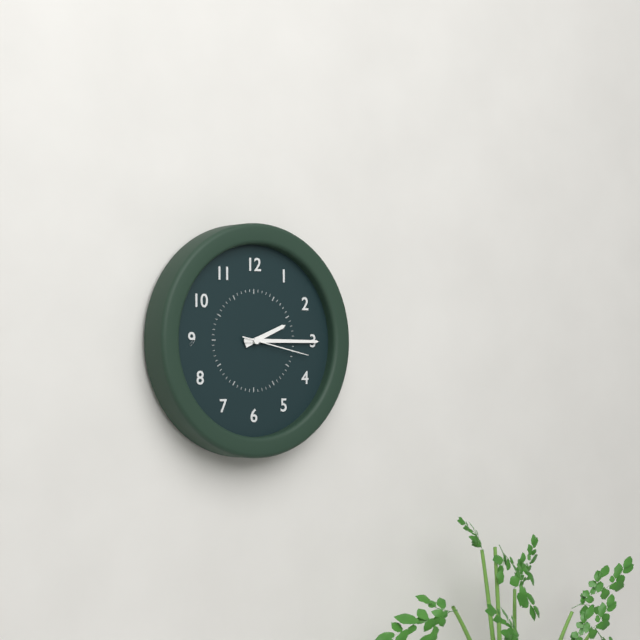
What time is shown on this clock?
2:15:17
